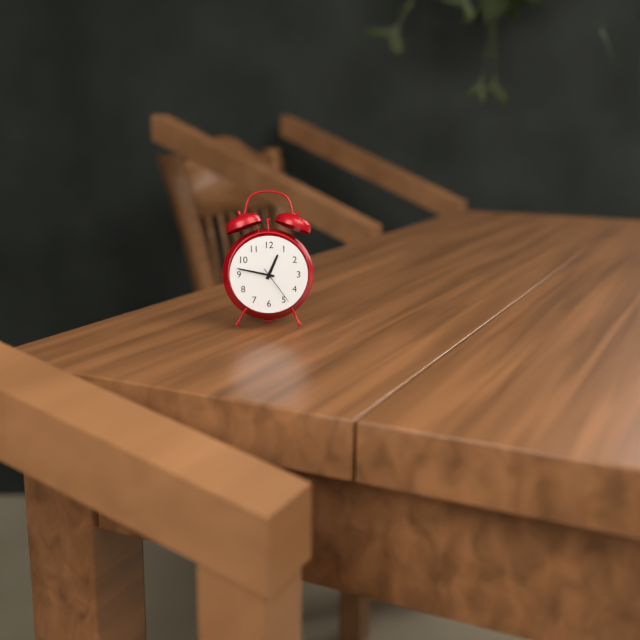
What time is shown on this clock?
12:47
